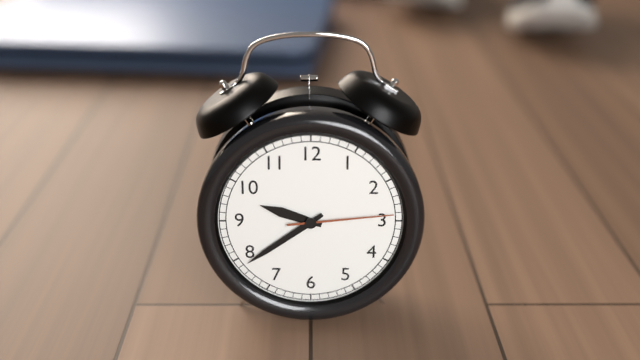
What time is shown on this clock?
9:39:14
